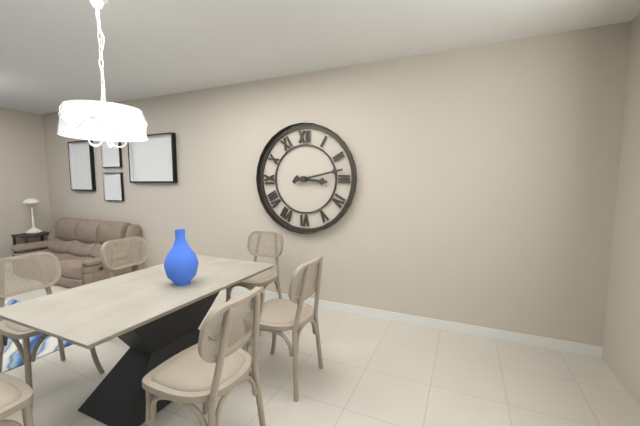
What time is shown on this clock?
3:13
